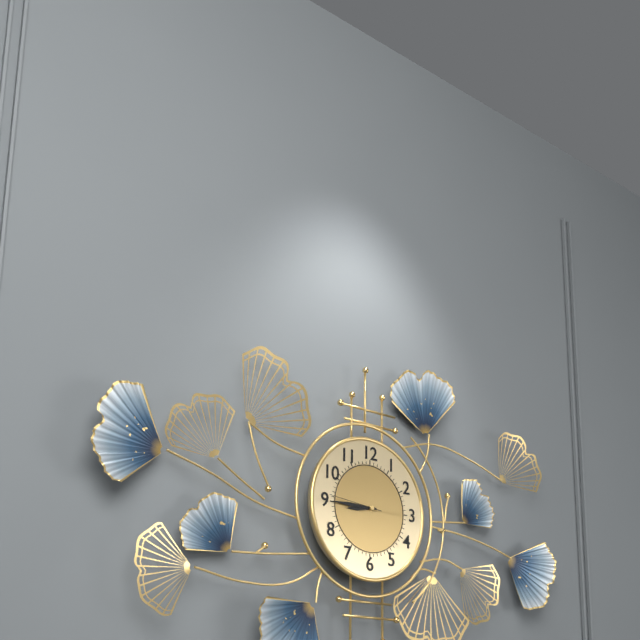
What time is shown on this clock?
8:45:46
